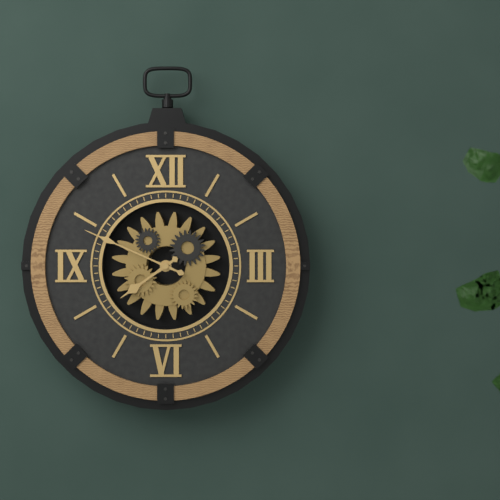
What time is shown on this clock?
7:49
